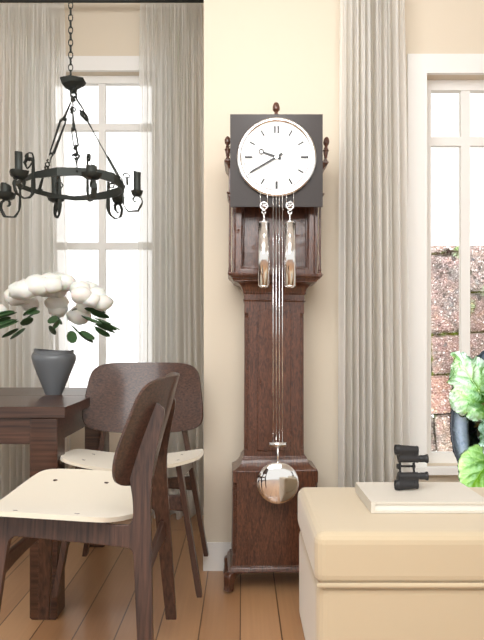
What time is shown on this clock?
9:40
